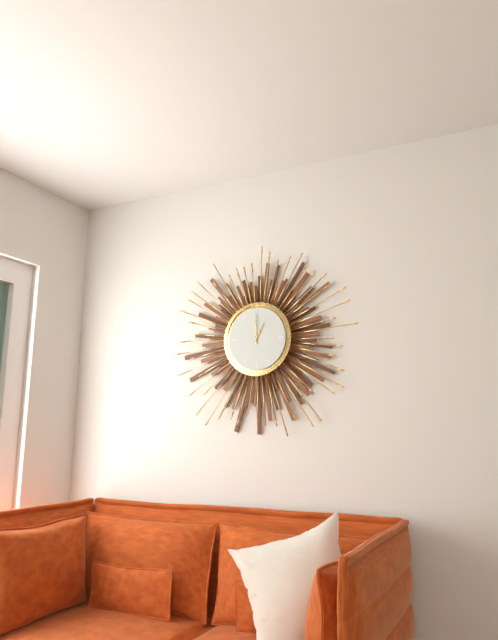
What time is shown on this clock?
1:00
